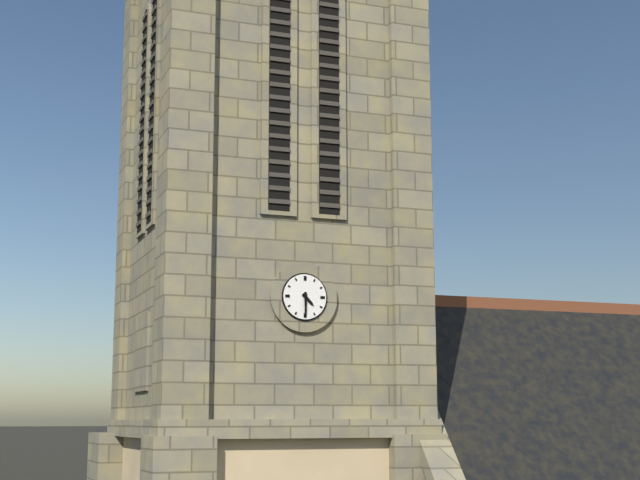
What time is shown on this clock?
4:30
